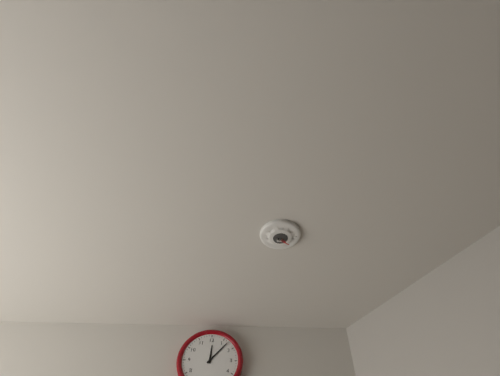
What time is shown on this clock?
12:07
